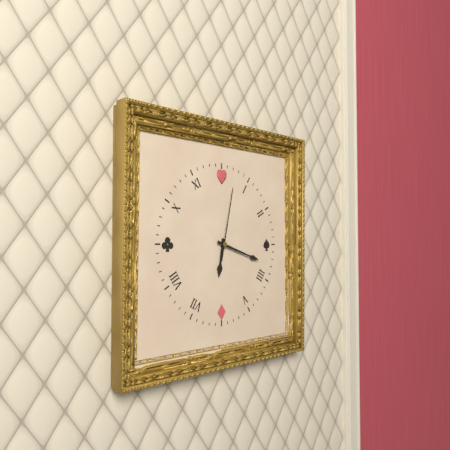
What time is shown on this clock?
6:18:02
